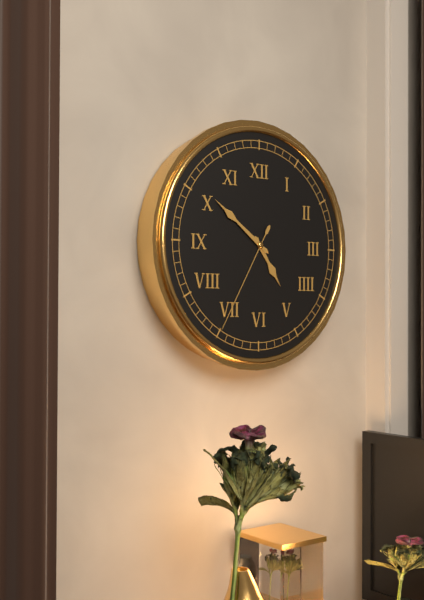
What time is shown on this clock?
4:51:35
